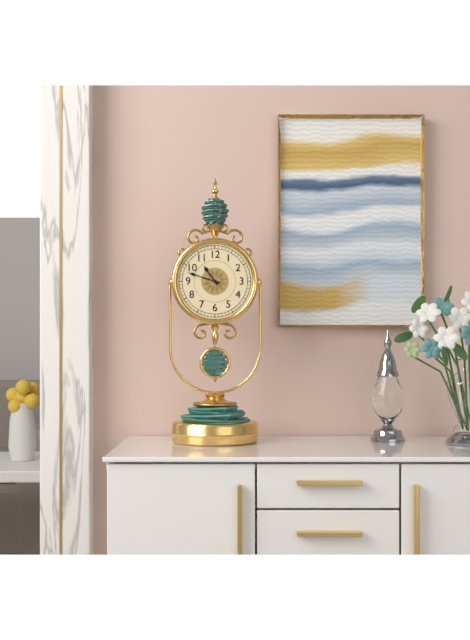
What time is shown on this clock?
10:48
